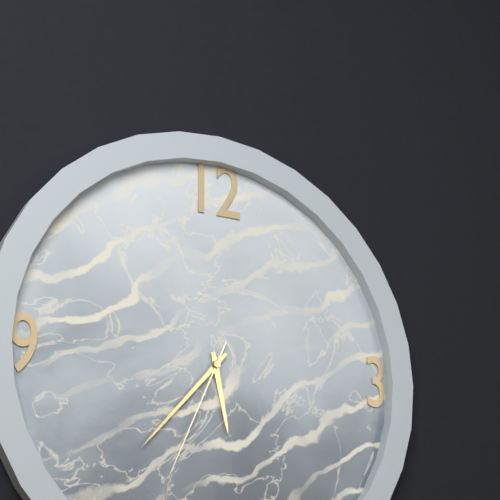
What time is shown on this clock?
5:37:34
